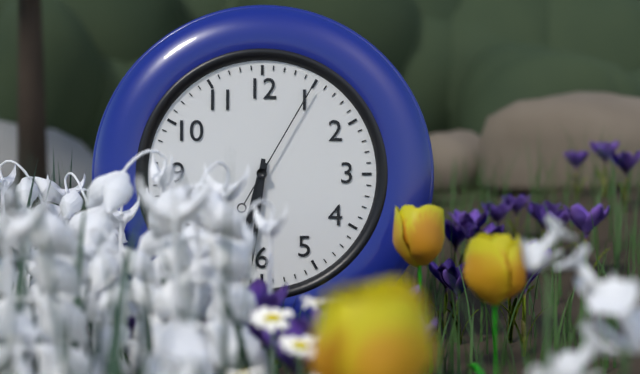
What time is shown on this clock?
6:31:05
